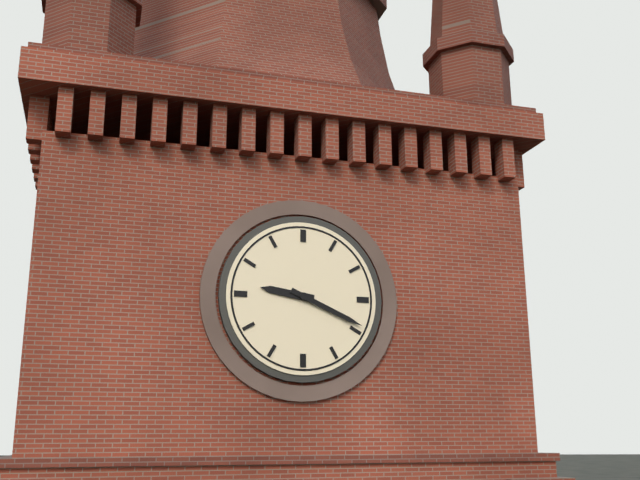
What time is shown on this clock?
9:19
